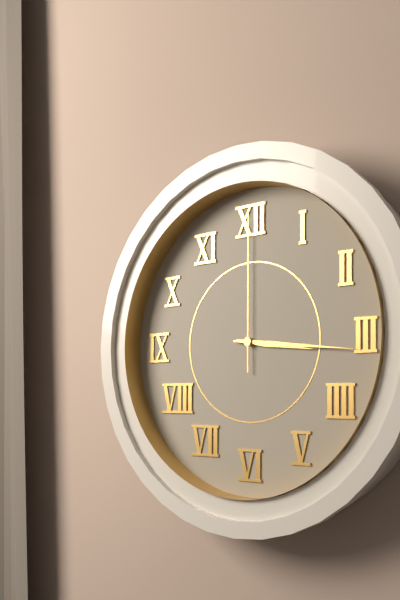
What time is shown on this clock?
3:16:00
